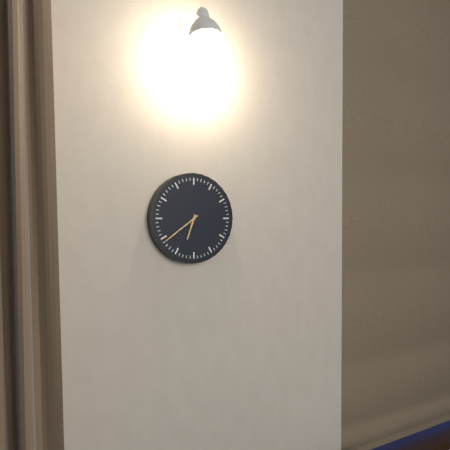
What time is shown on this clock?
6:39
